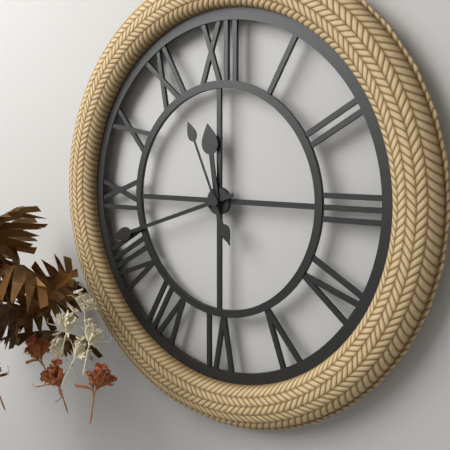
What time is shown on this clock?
11:42:56
